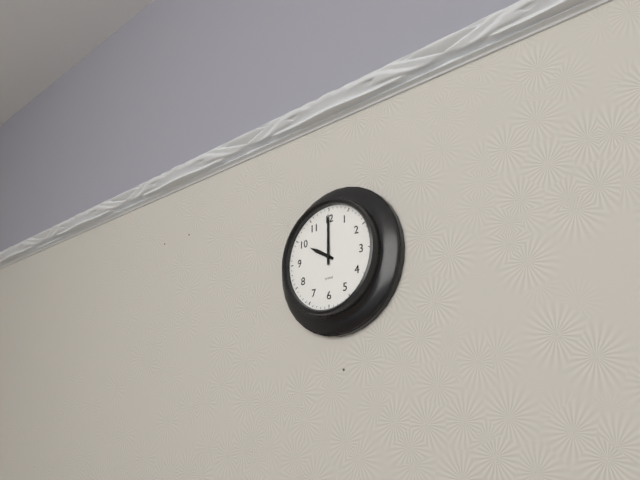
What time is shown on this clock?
10:00
